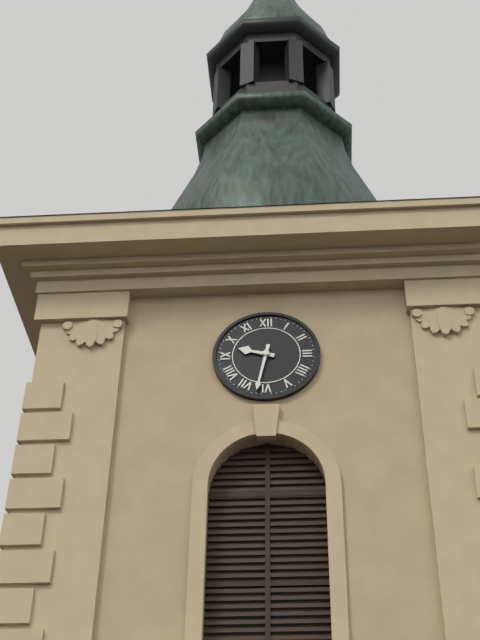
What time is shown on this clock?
9:32
